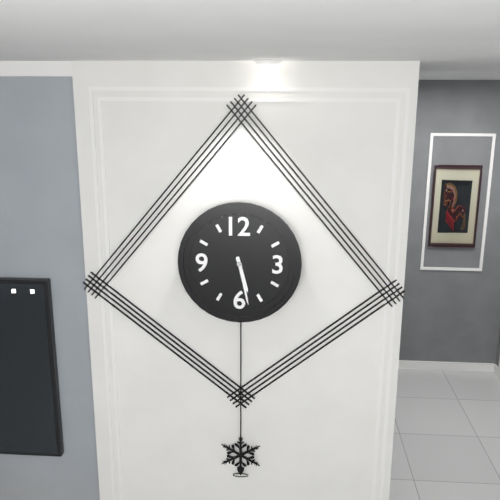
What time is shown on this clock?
5:28
